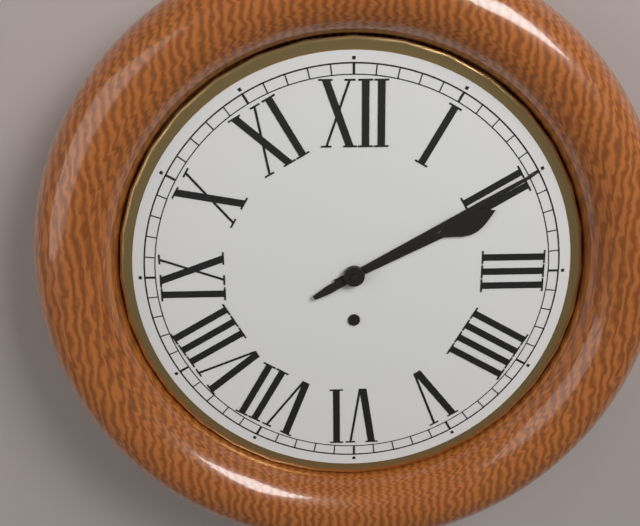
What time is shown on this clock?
2:10
